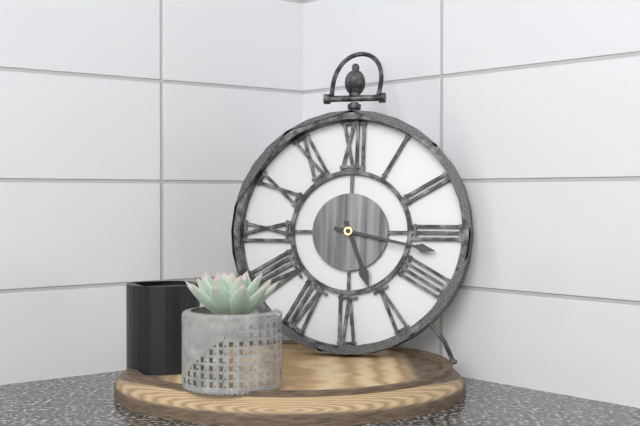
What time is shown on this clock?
5:17
